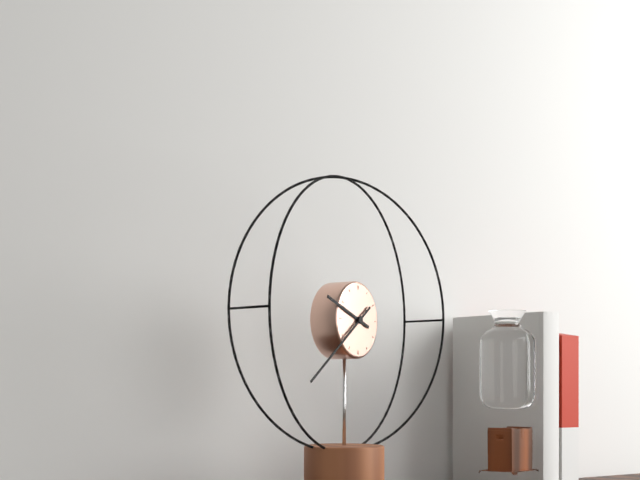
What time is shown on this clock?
9:39
